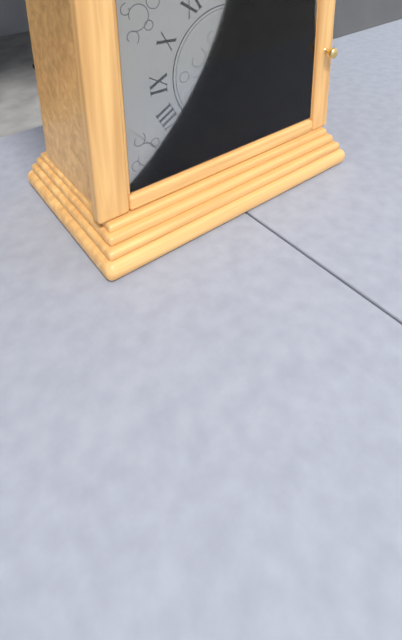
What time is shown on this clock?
8:25:29
